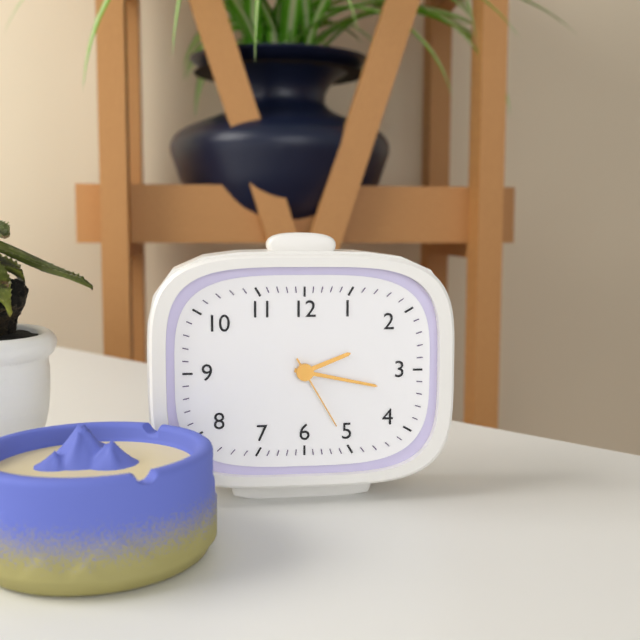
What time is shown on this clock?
2:17:25
